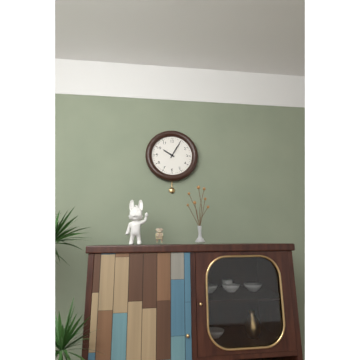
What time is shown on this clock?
10:05
